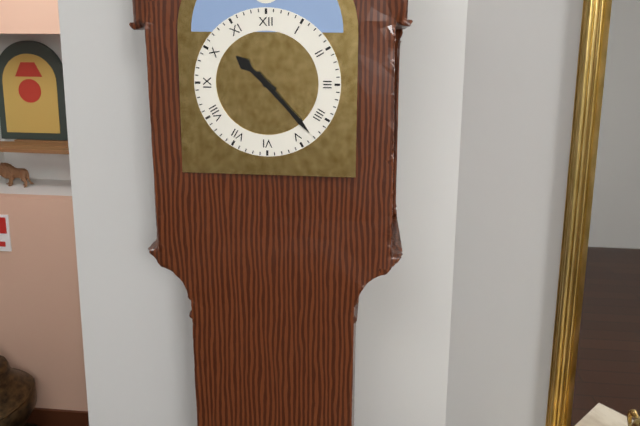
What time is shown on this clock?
10:23
